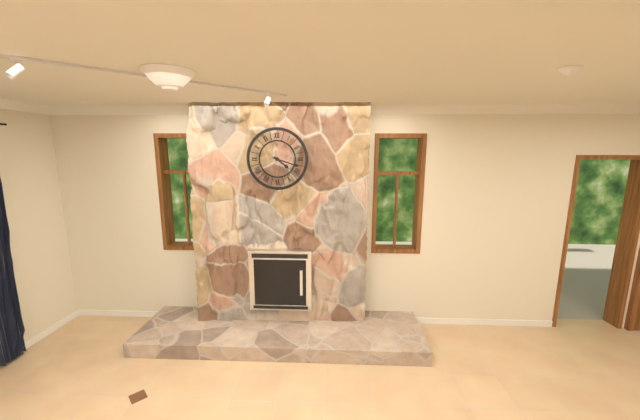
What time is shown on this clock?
4:18
